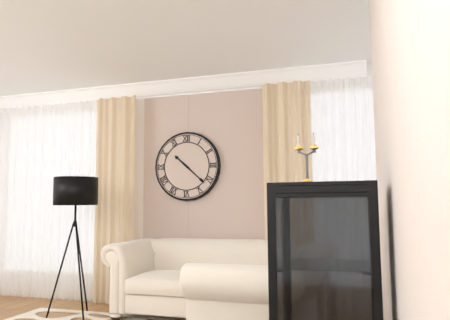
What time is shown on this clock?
10:22
